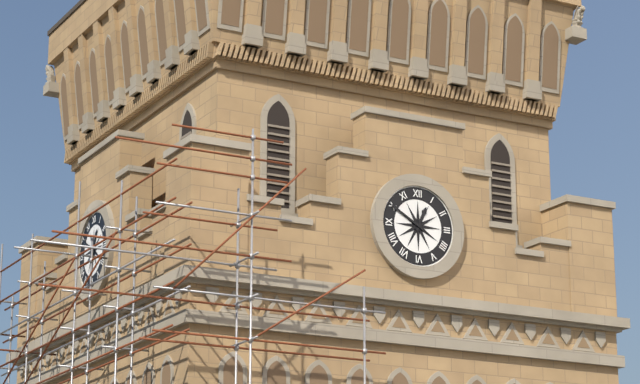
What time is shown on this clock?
12:50
